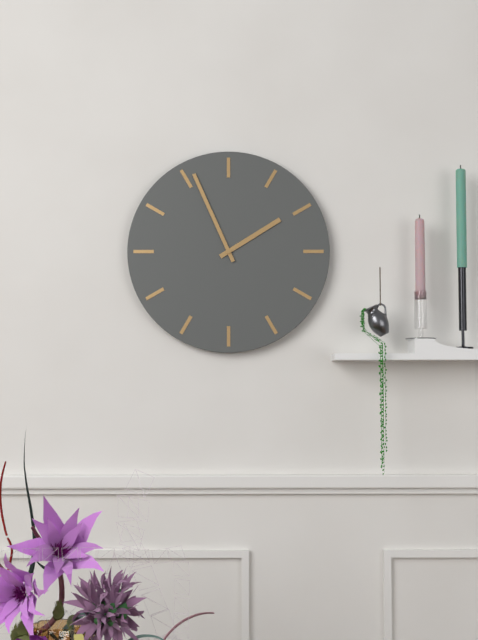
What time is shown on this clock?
1:56
